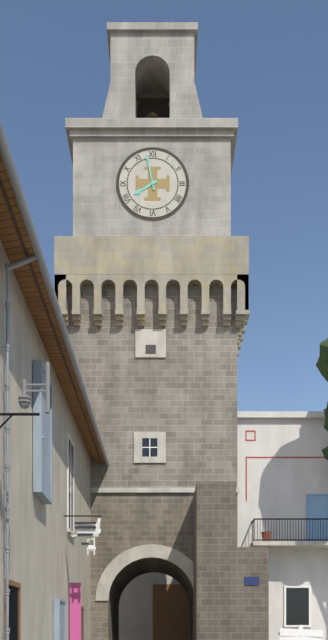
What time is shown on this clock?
7:58
